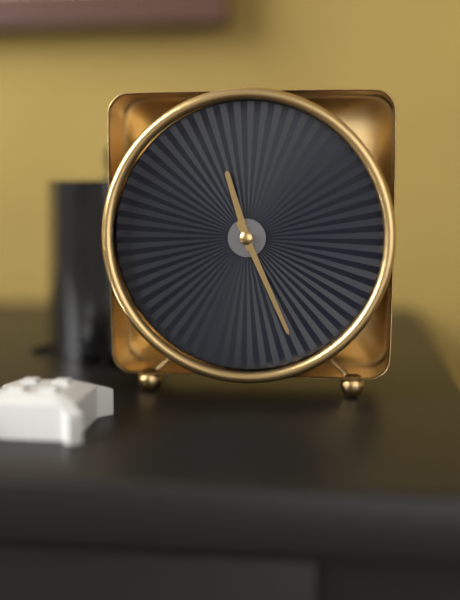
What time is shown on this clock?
11:26
